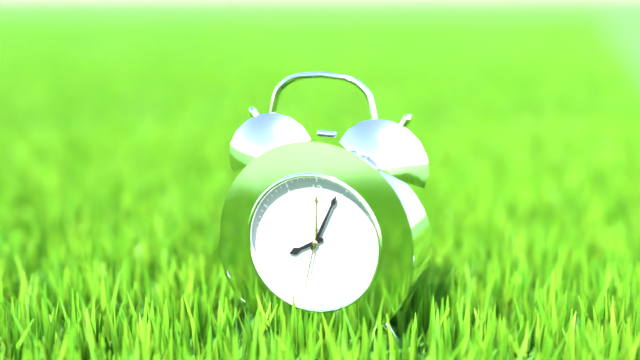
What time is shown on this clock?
8:04:32
